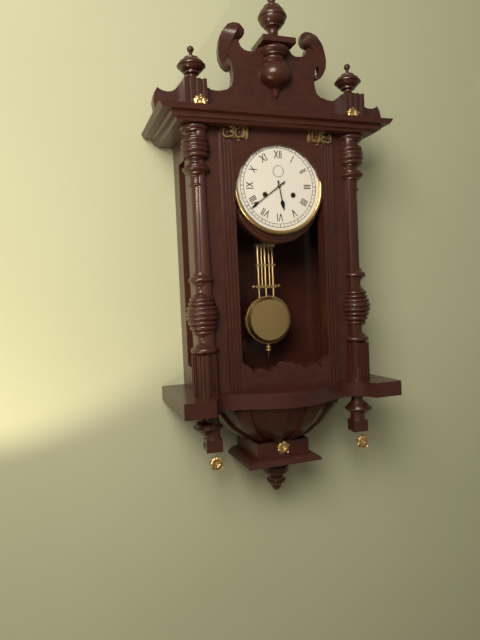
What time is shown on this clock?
5:39
